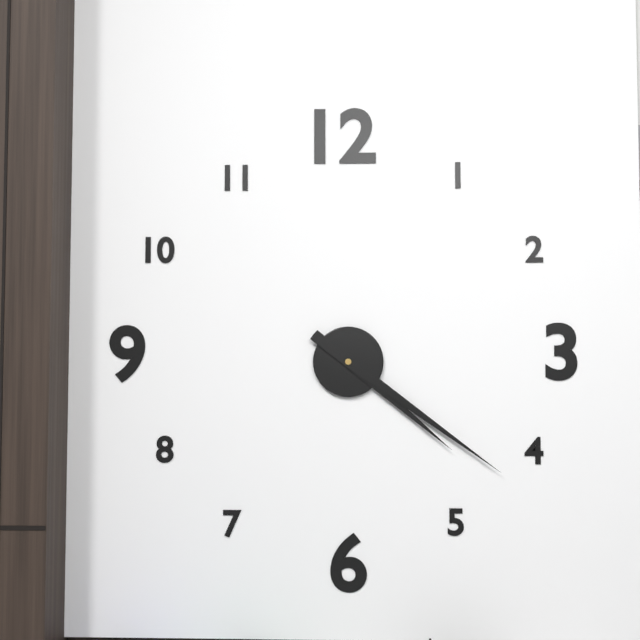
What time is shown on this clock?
4:21
